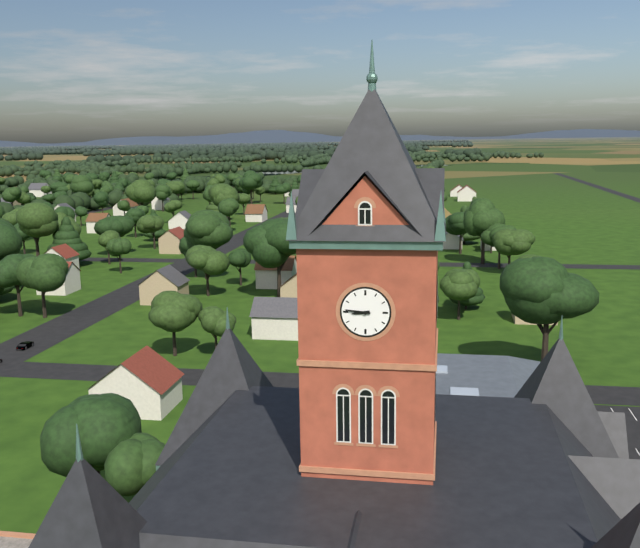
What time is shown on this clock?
8:46
